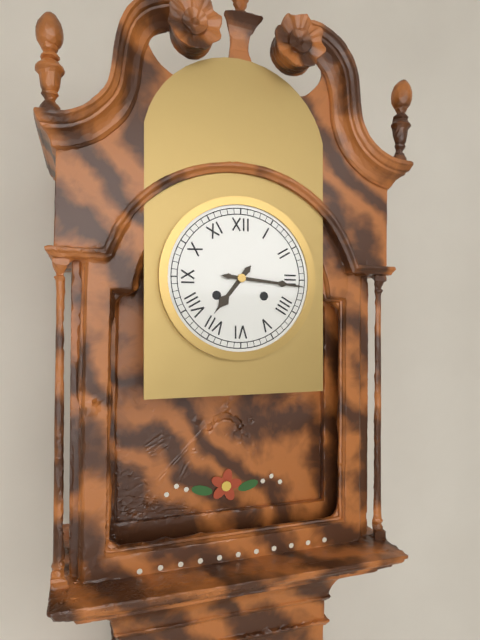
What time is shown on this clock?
7:16
